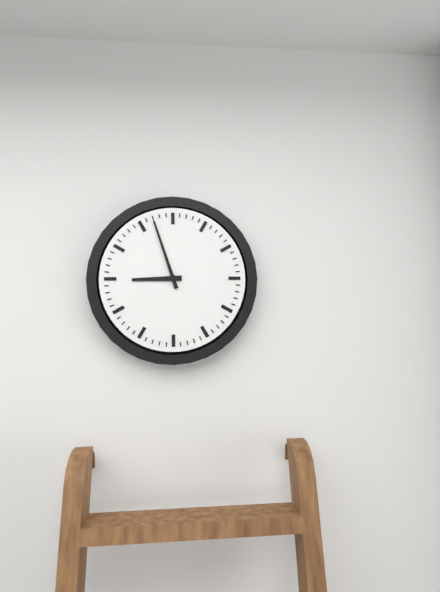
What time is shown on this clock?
8:57
